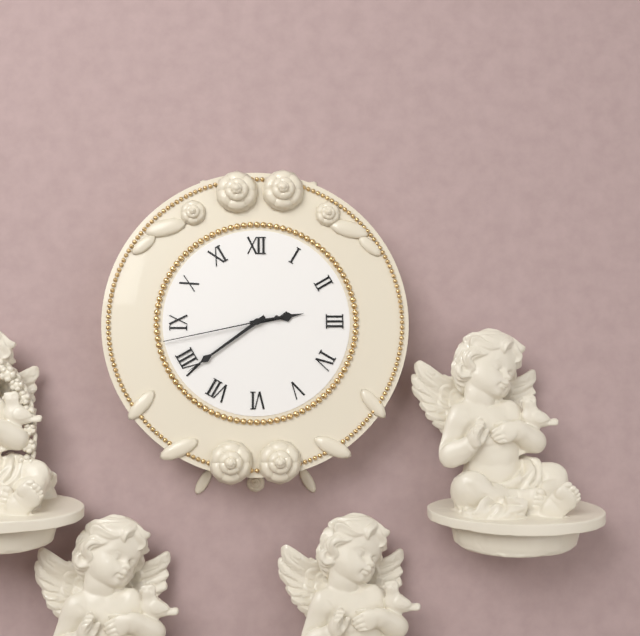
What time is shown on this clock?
2:39:43
